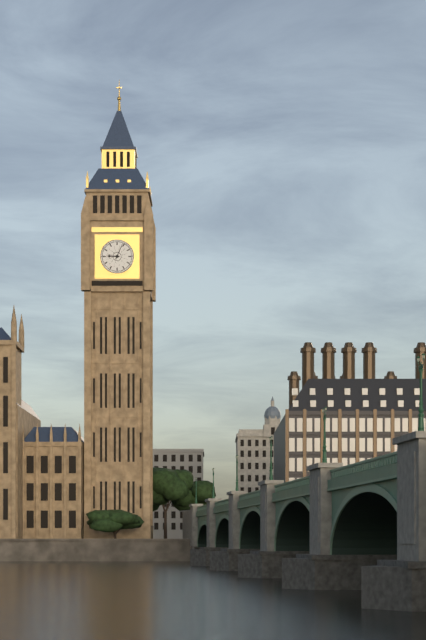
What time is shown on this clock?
9:04
